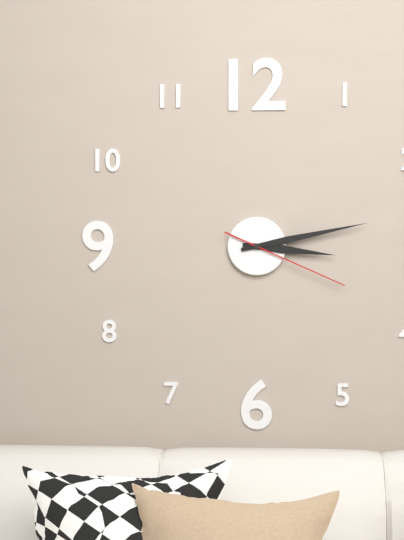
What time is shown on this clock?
3:13:19
